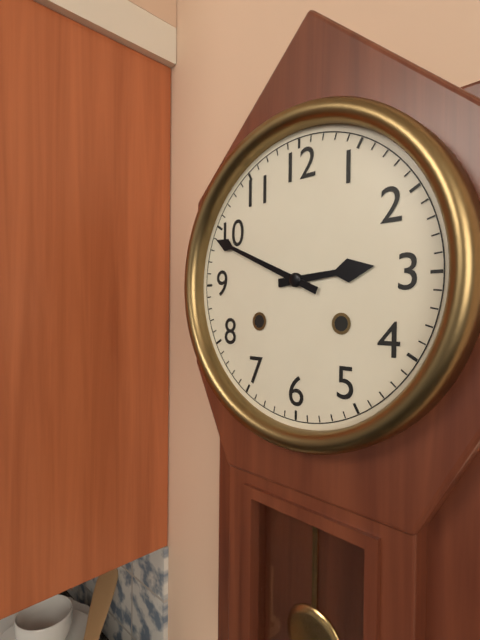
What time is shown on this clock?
2:49
